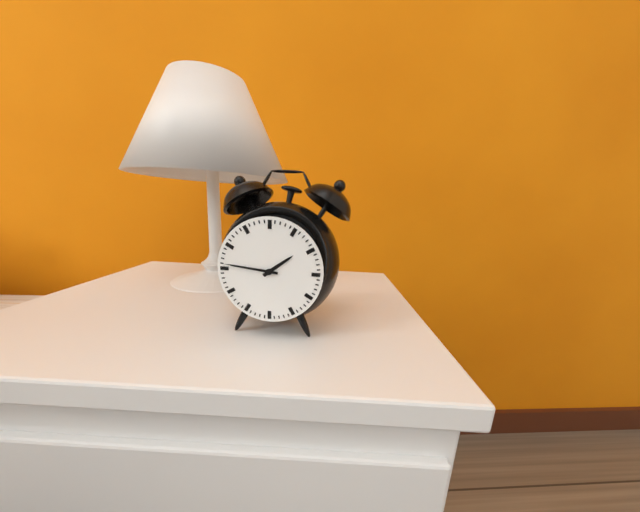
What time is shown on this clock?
1:46
